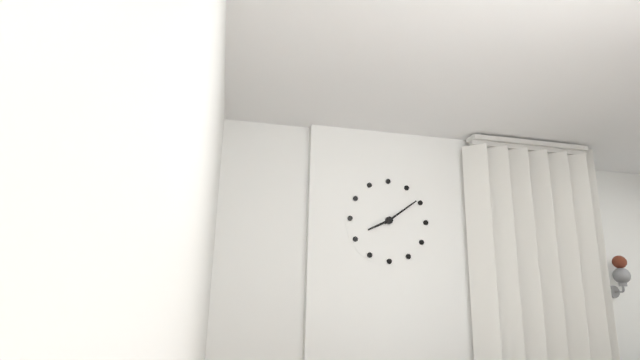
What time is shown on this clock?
8:09
